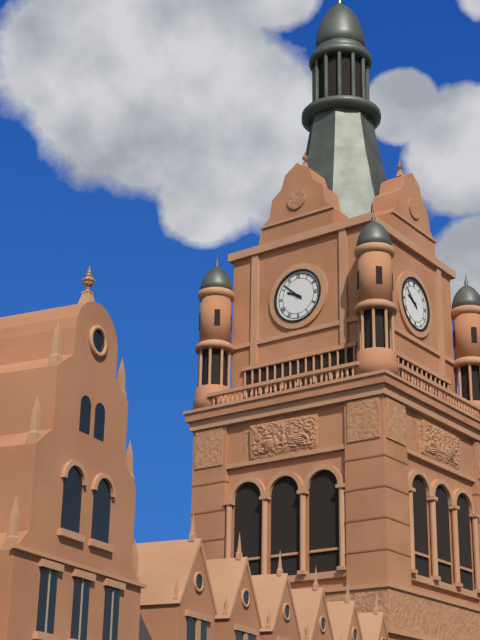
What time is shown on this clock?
9:52
